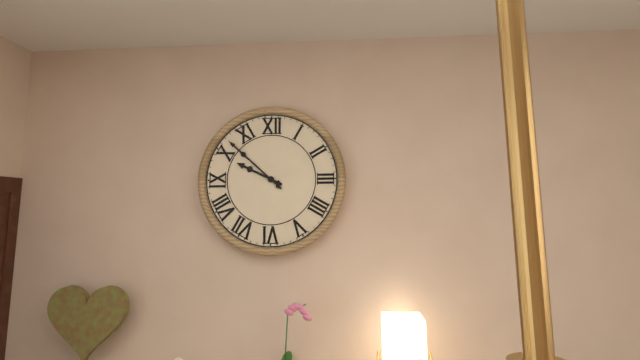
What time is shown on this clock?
9:52
